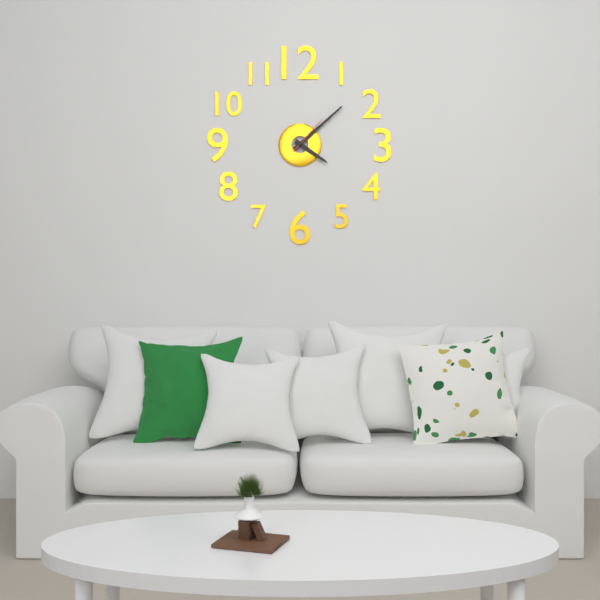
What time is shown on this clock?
4:08
